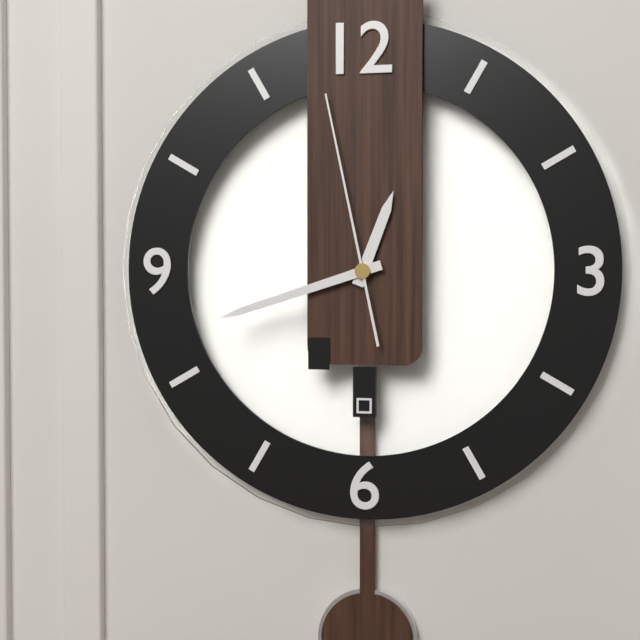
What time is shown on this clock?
12:42:58
